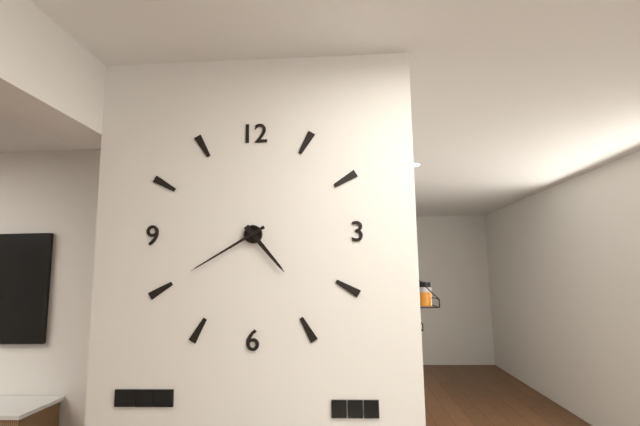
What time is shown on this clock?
4:40
